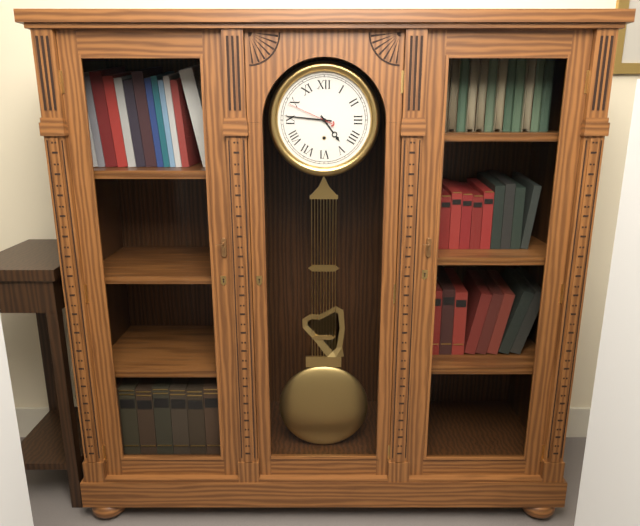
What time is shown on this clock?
4:46
